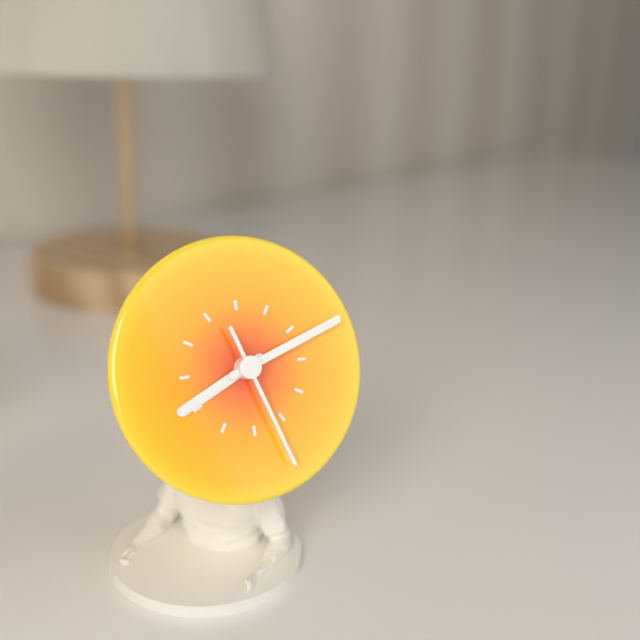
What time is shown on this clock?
8:12:27
